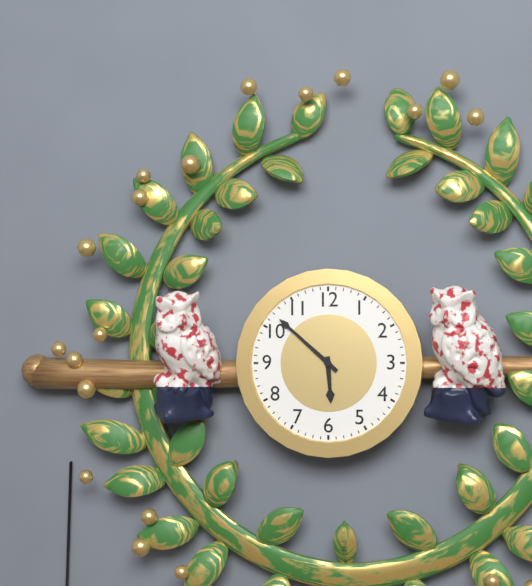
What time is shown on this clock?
5:52
